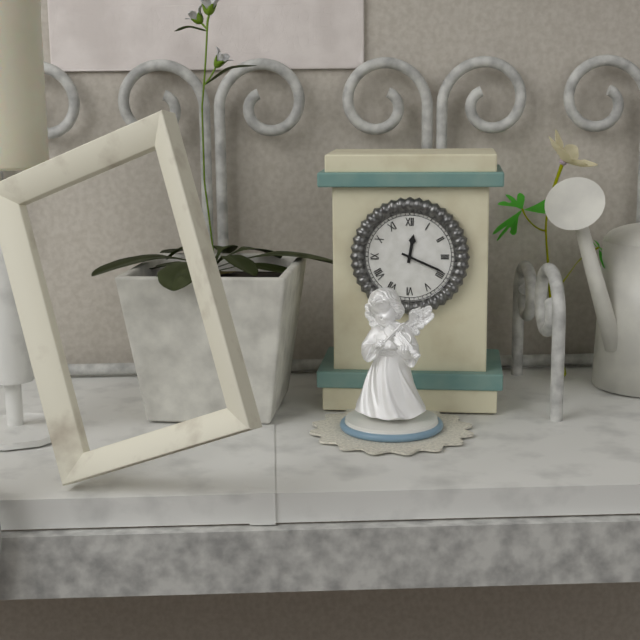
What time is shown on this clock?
12:19
